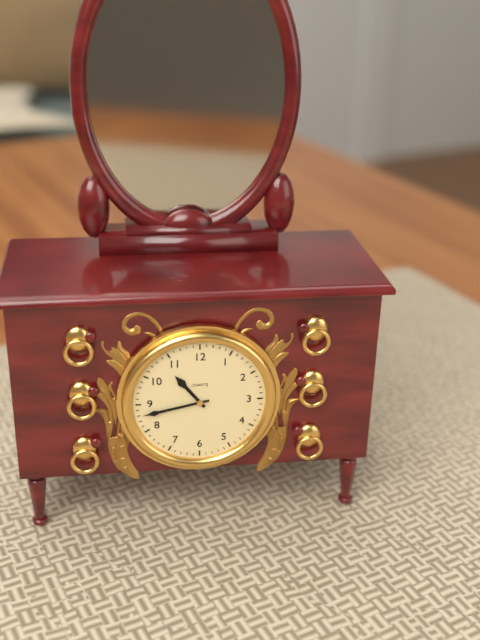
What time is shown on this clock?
10:43
